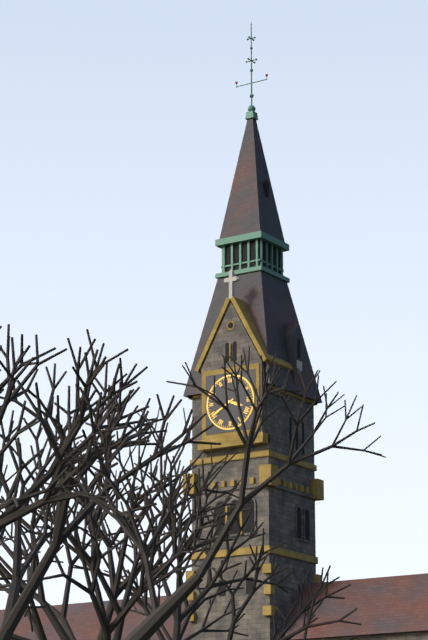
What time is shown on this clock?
3:40
